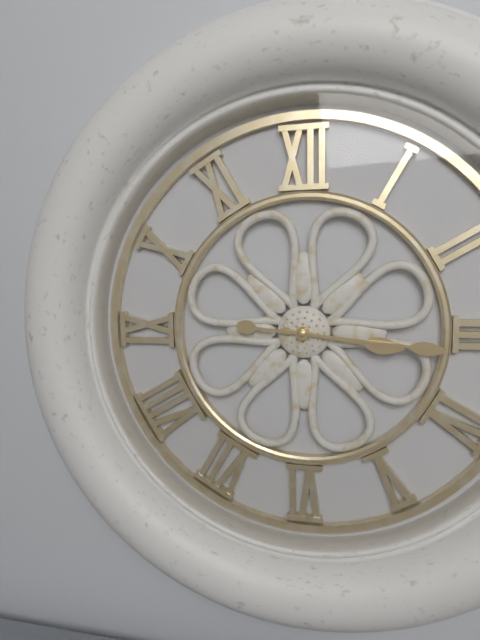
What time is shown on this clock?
3:16
